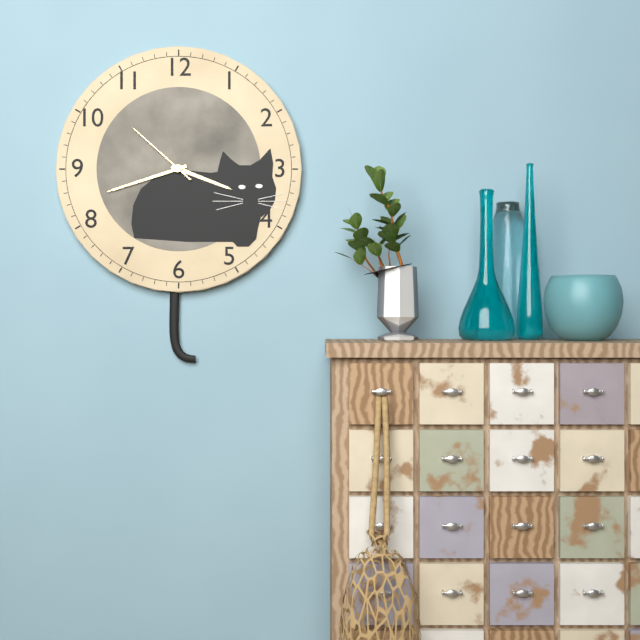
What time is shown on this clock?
3:42:52
